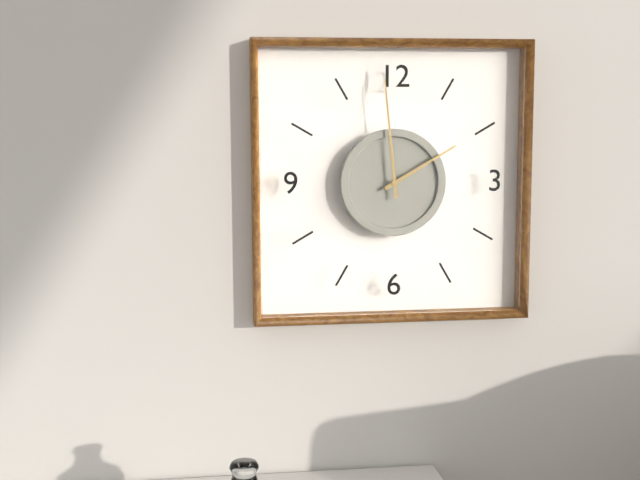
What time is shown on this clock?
1:59
